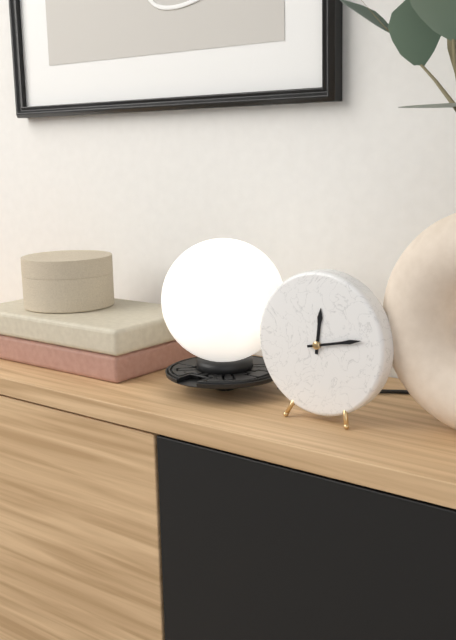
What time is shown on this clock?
12:13
